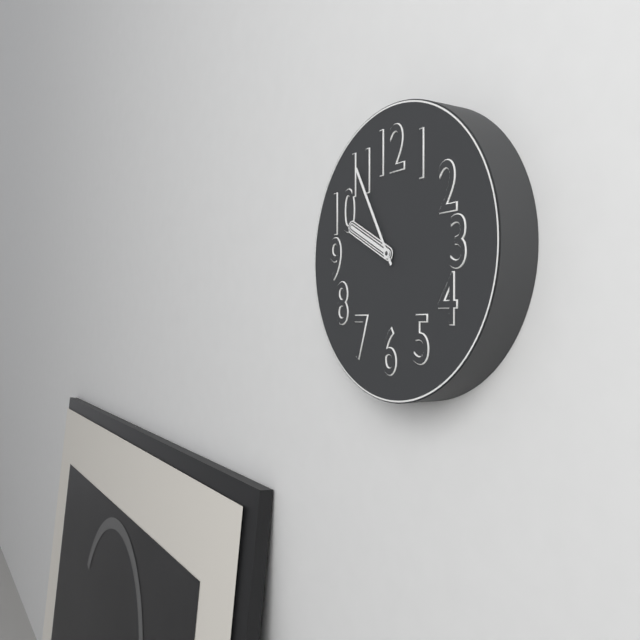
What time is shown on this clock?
9:55
